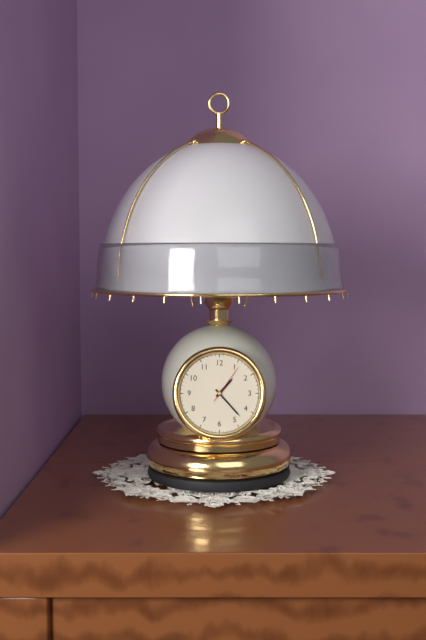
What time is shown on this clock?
1:23
